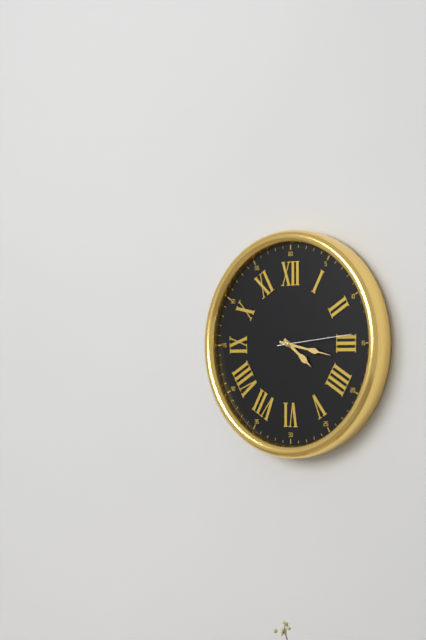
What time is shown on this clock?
4:17:14
